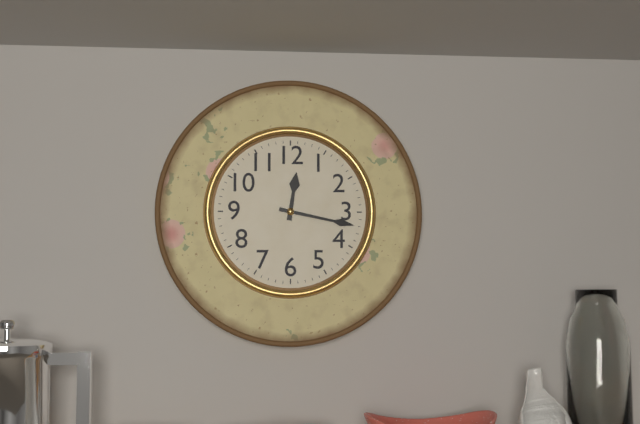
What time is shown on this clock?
12:17
